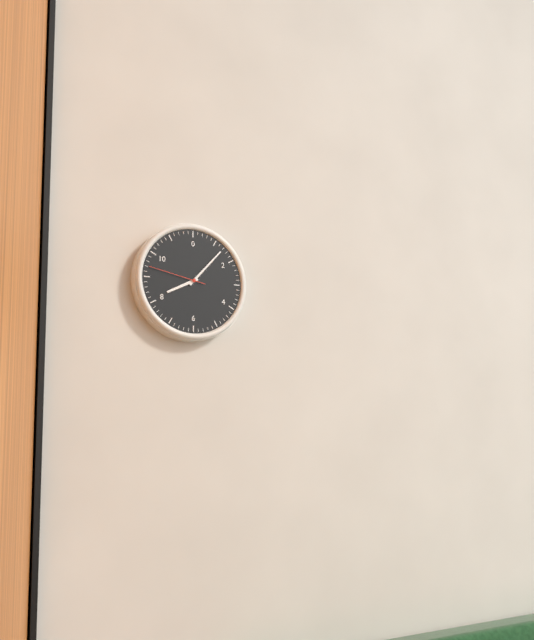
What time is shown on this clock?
8:07:47
